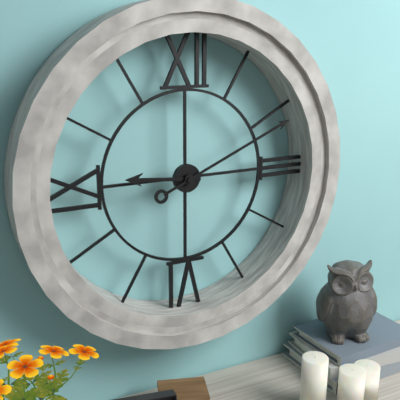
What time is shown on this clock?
9:11
